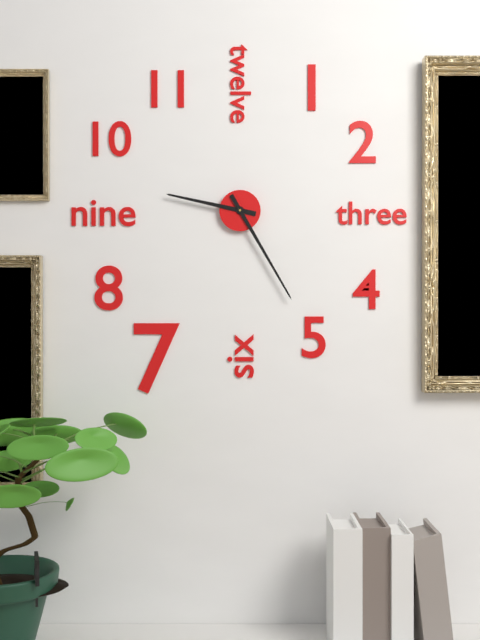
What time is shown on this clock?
9:25
